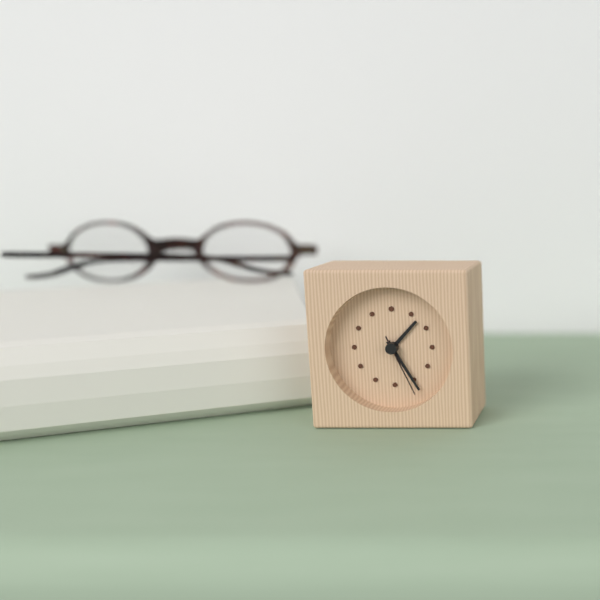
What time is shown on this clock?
1:25:26
